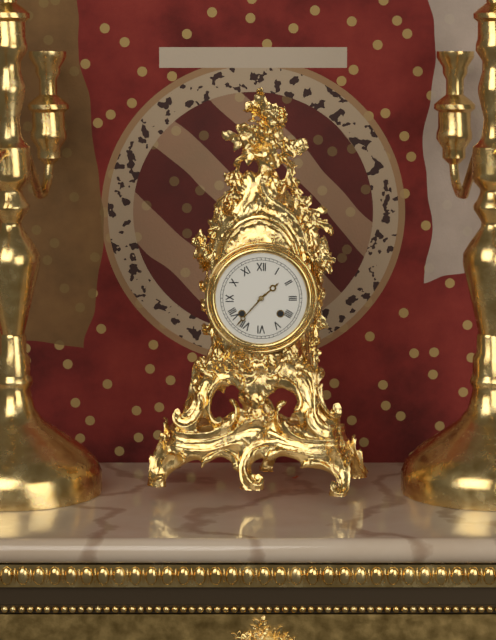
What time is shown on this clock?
1:37
